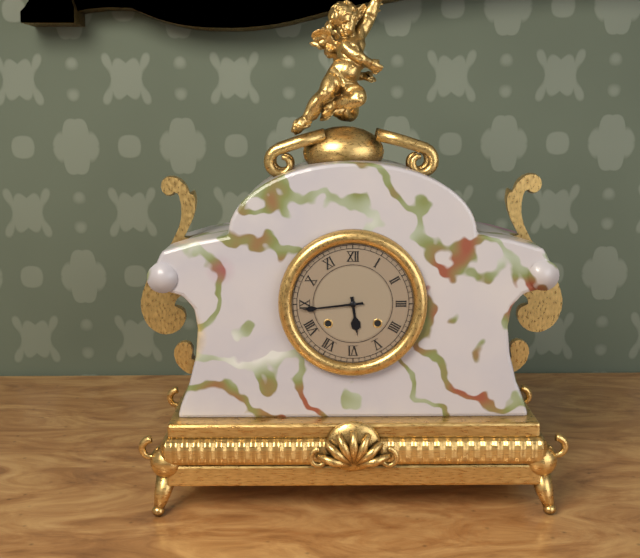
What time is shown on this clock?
5:44
